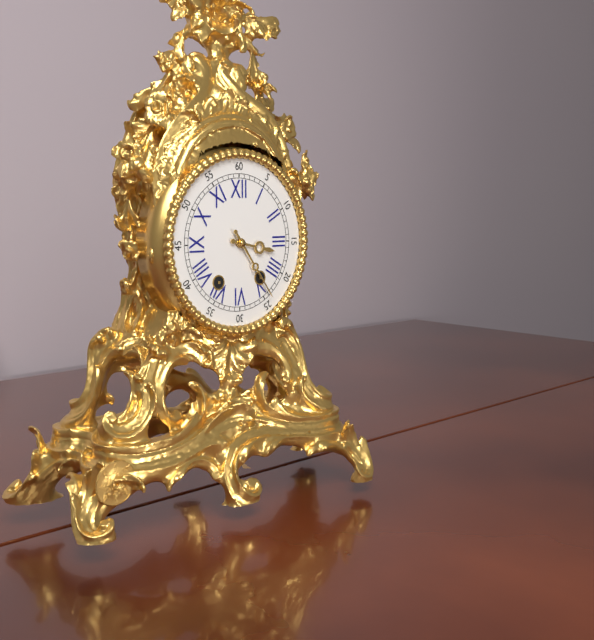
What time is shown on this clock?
3:24
